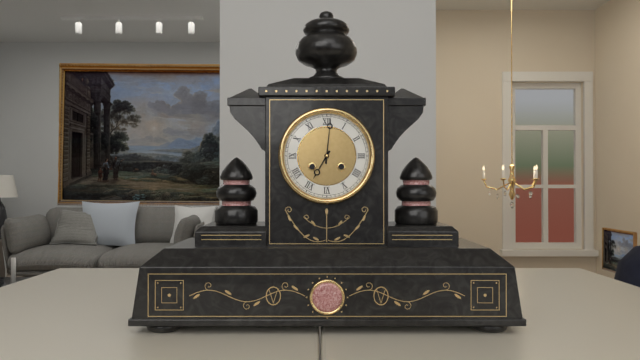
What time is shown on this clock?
7:01
